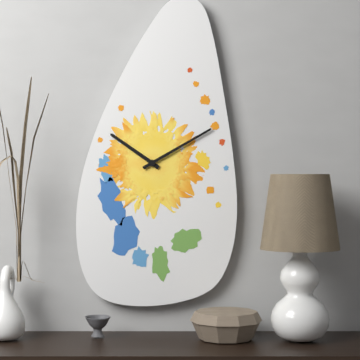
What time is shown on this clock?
10:10
